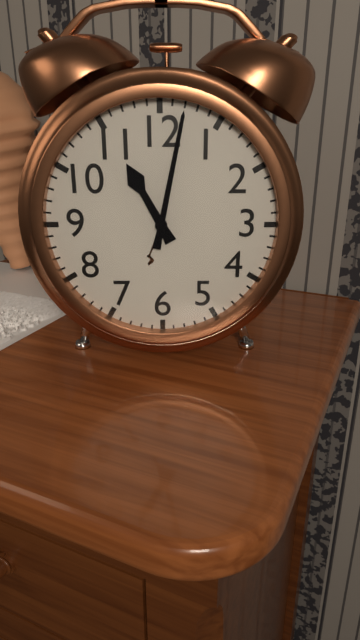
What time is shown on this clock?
11:02
